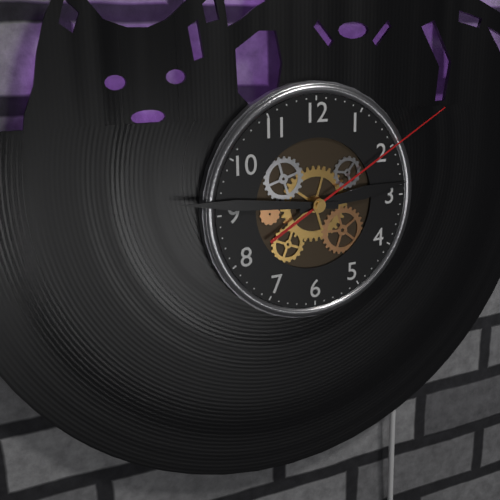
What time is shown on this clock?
2:46:10
